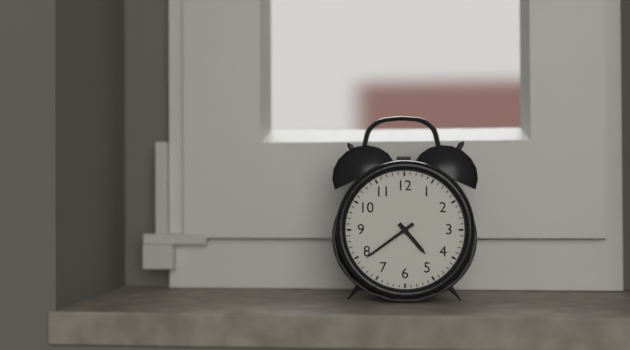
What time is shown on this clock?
4:39
